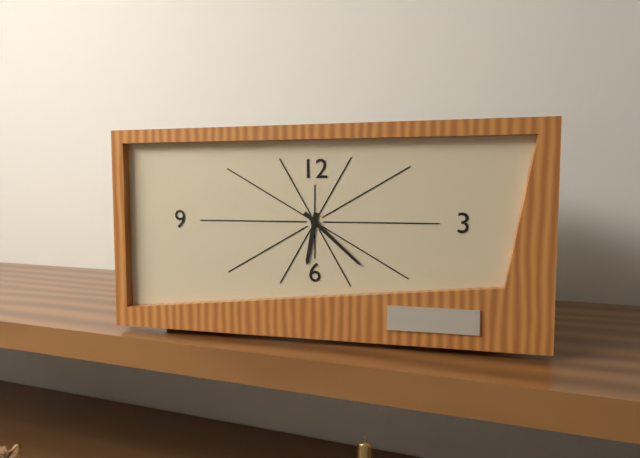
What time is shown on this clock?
6:22
